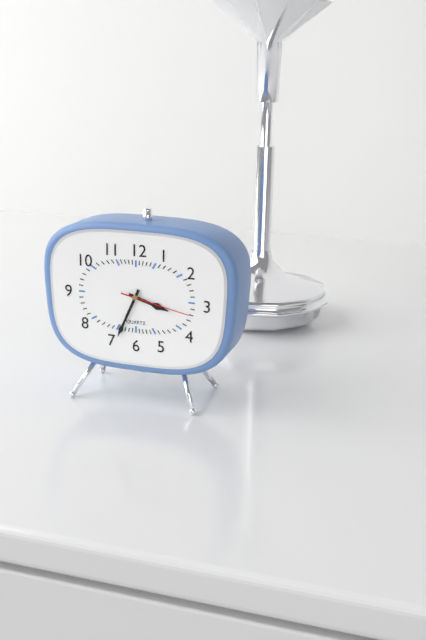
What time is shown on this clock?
3:34:17
